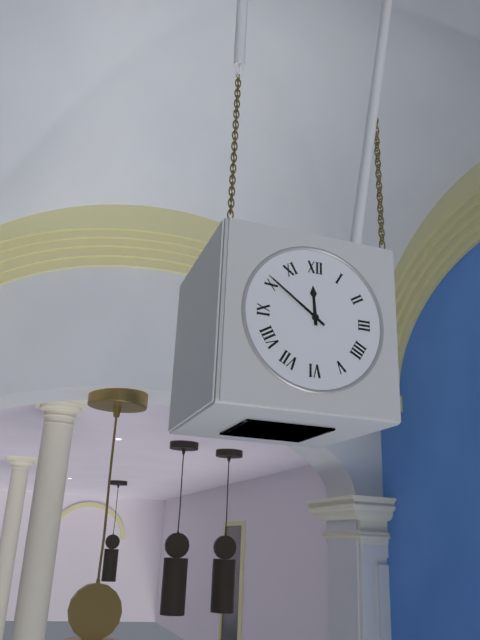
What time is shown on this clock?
11:51
